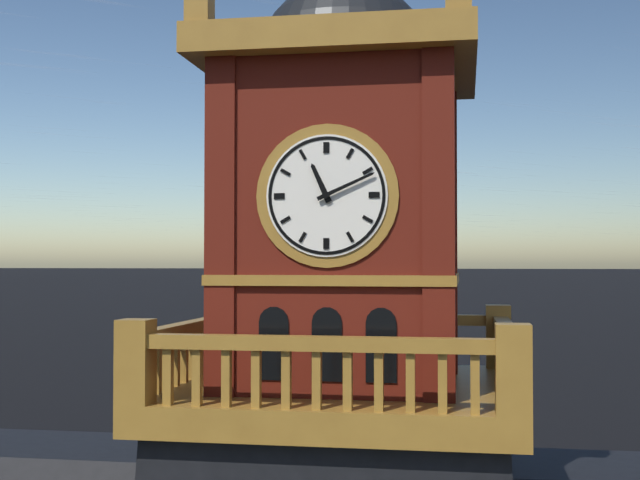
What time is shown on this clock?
11:11
